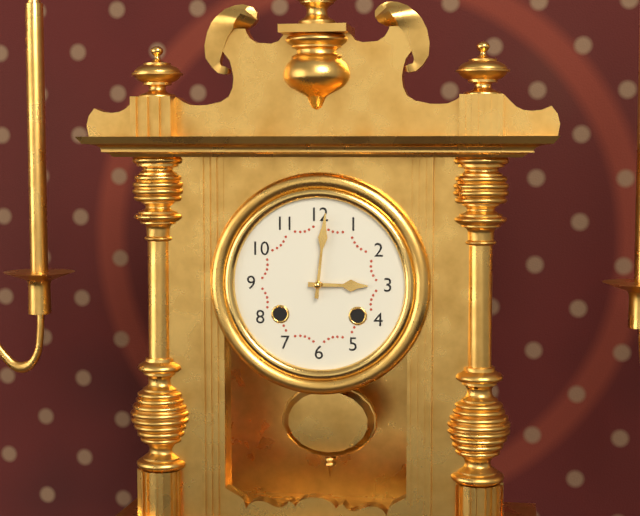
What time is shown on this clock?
3:01
